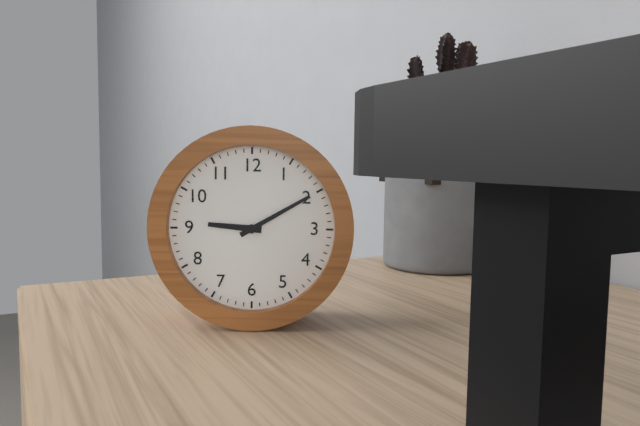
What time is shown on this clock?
9:10
